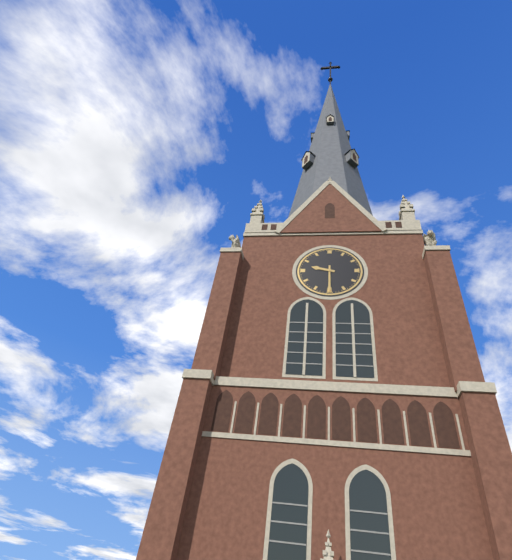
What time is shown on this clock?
9:30
